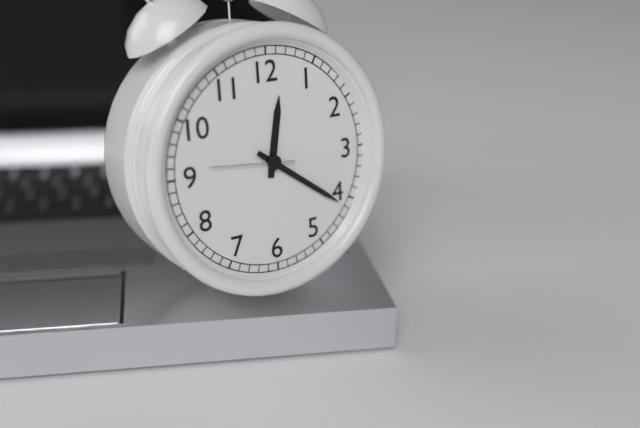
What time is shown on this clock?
12:21:46
